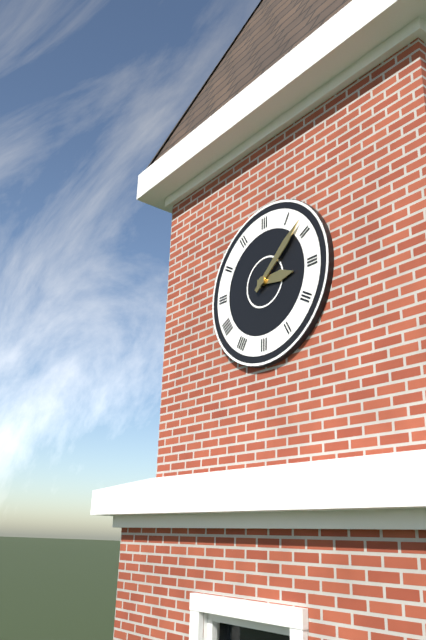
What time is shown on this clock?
3:08
